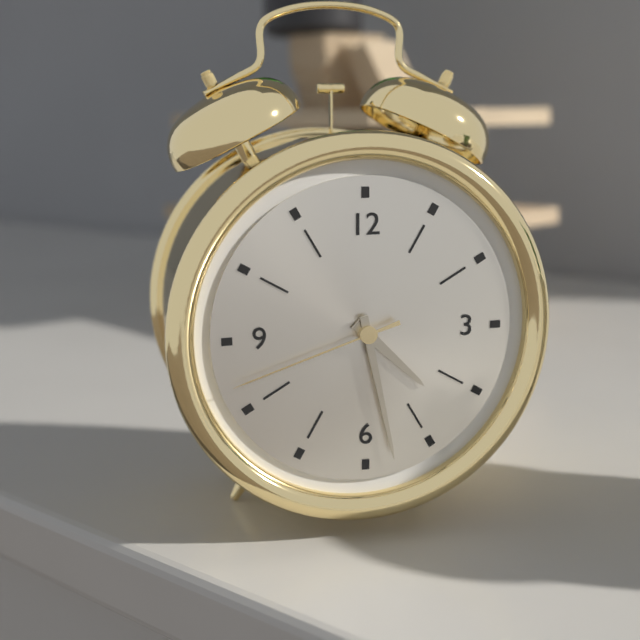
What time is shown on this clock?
4:28:42
